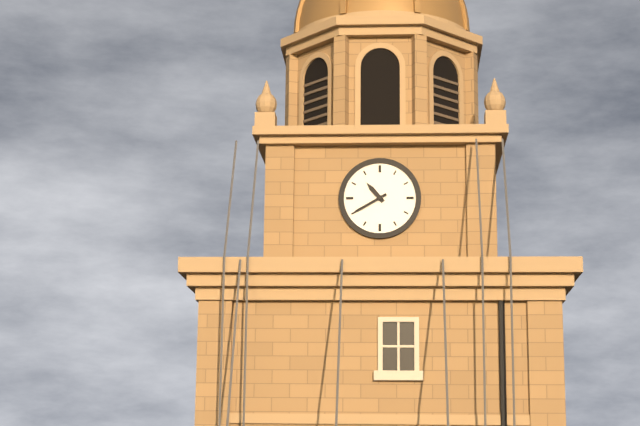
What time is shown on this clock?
10:40
